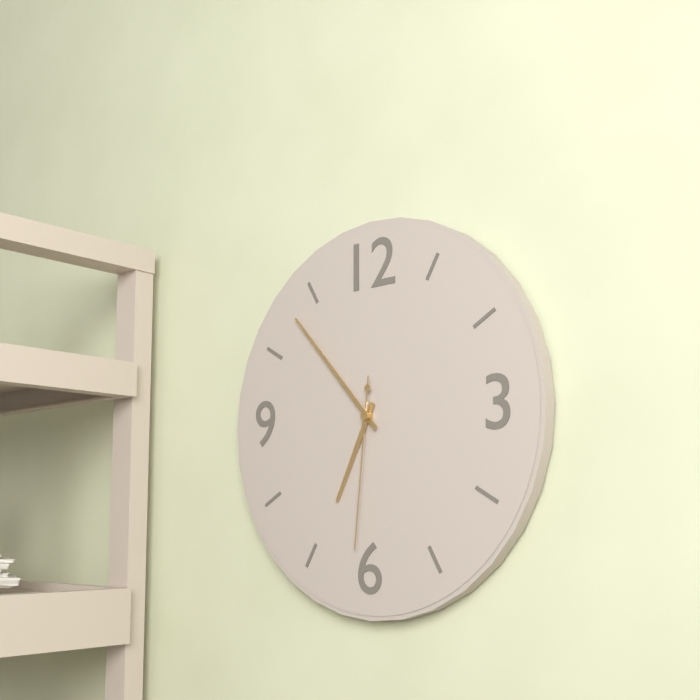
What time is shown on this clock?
6:53:31
